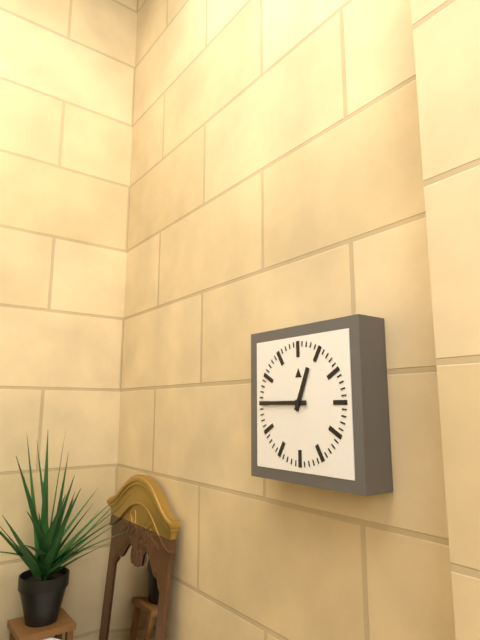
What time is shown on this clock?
12:45
